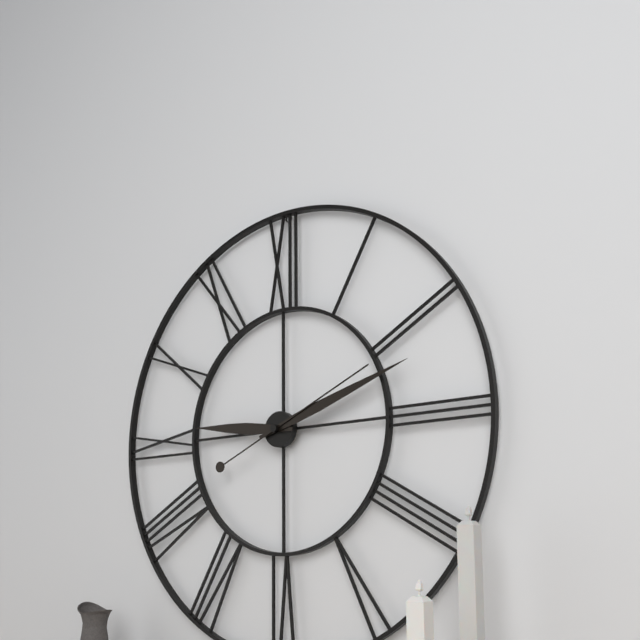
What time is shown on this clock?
9:12:11
